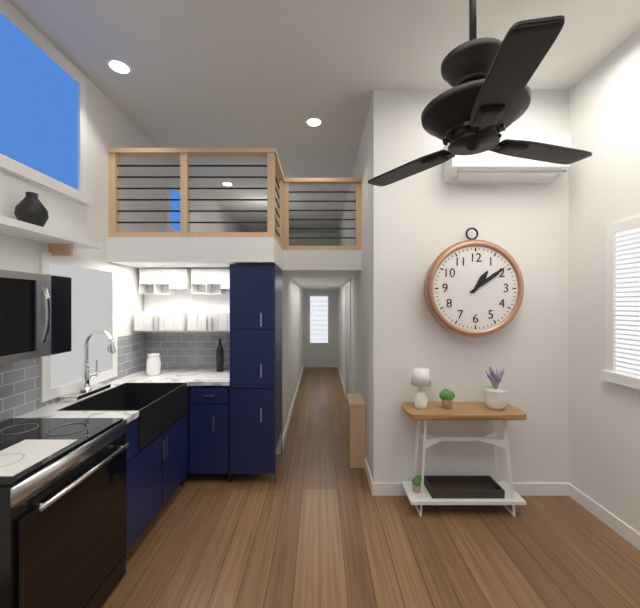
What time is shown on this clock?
1:09
